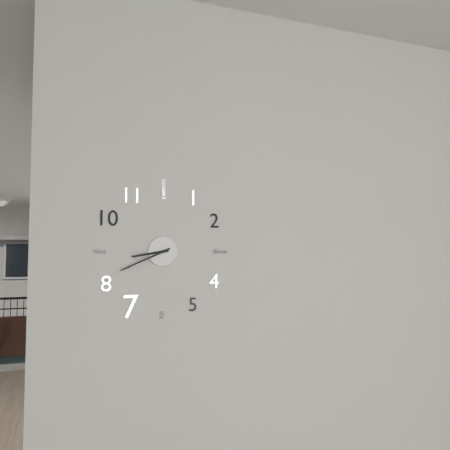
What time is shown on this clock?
8:41
